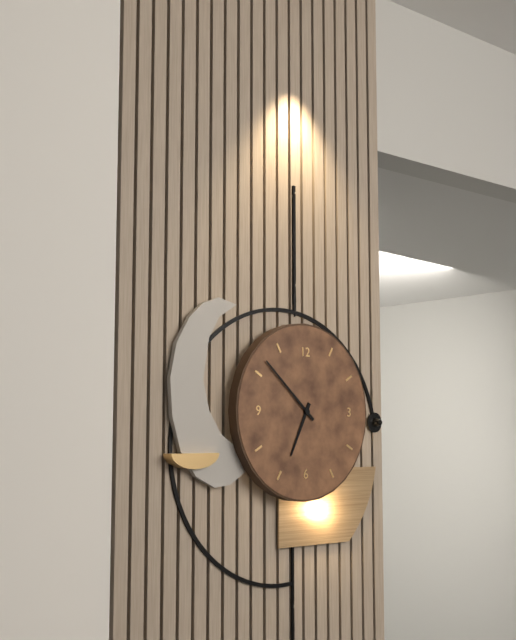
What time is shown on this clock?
6:52
